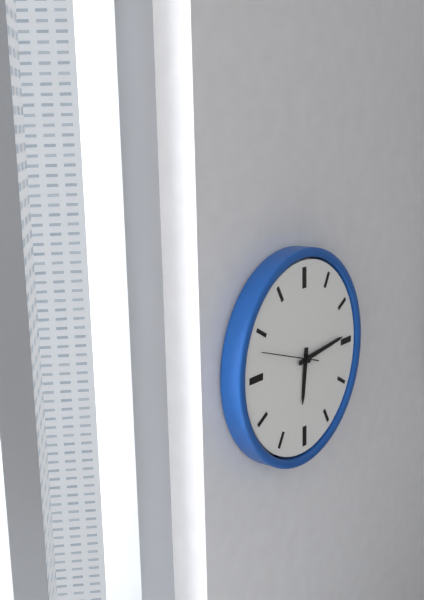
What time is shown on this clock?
6:14
